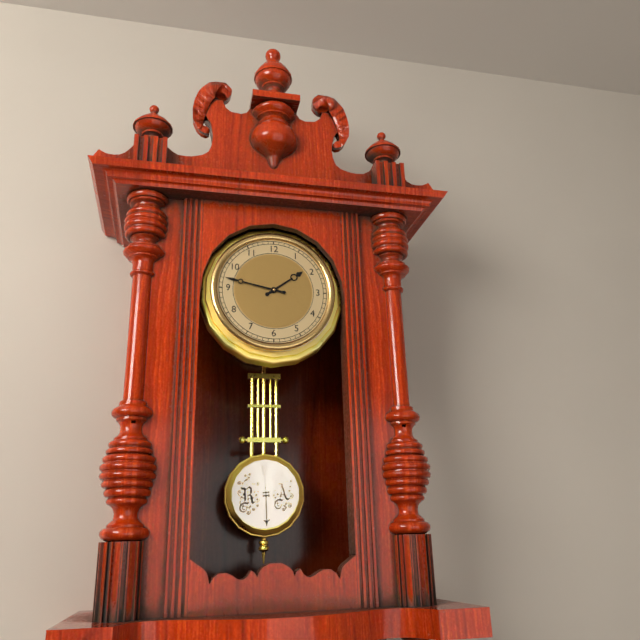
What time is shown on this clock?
1:47
